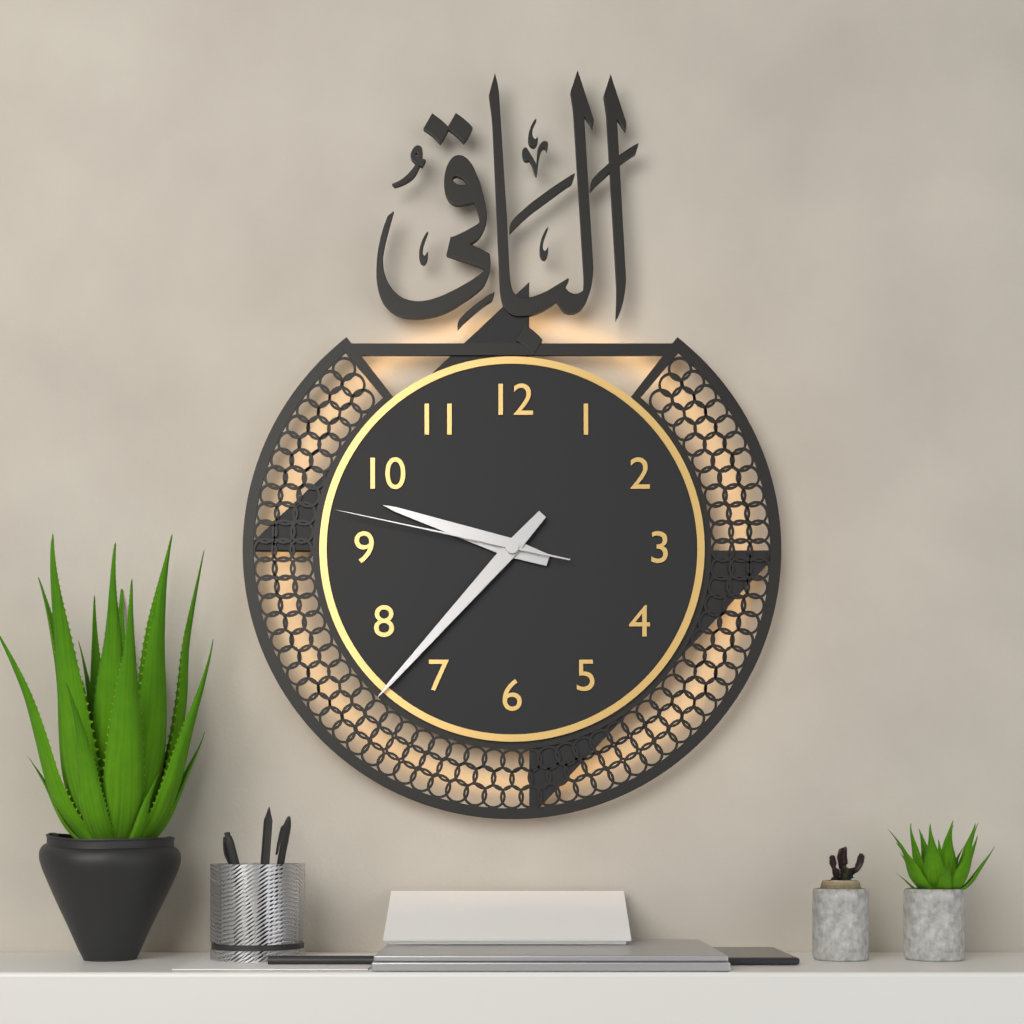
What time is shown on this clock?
9:37:47
